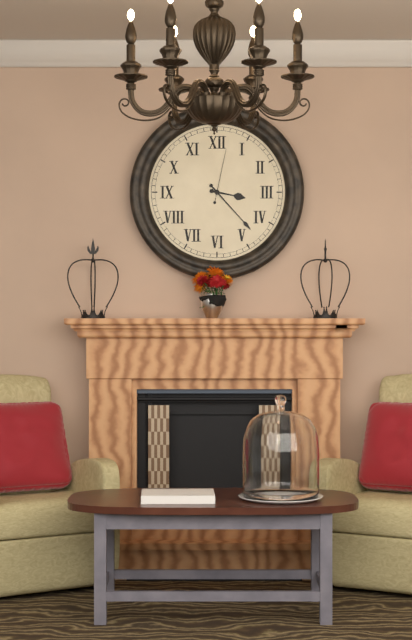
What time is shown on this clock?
3:23:02
